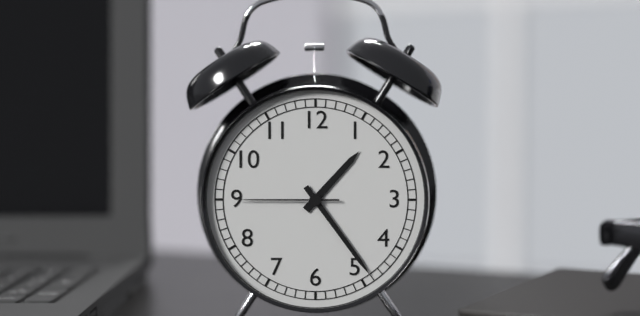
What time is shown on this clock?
1:24:45
